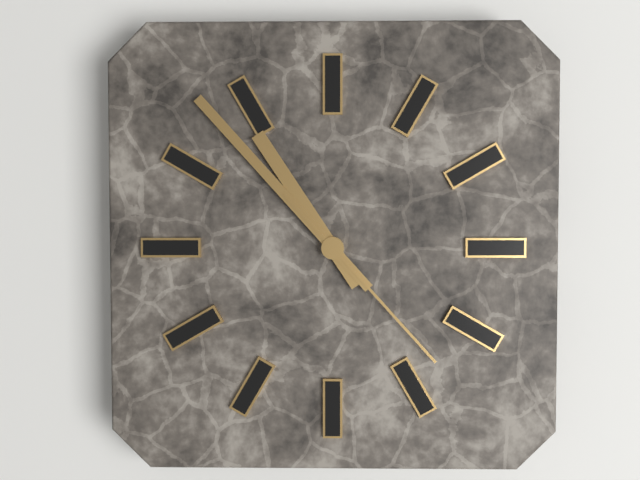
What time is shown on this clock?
10:53:23
